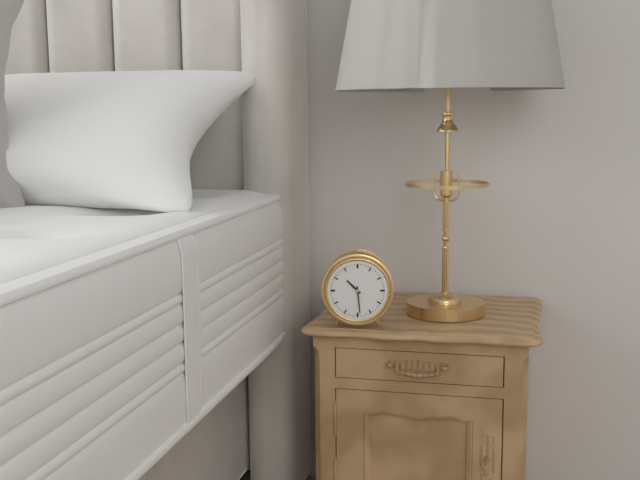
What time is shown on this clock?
10:29
